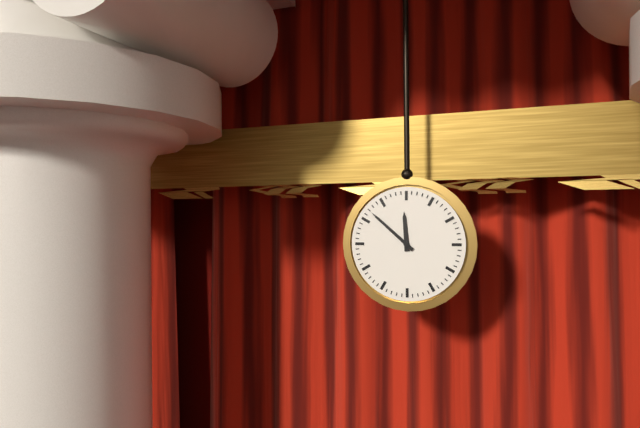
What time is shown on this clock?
11:52
